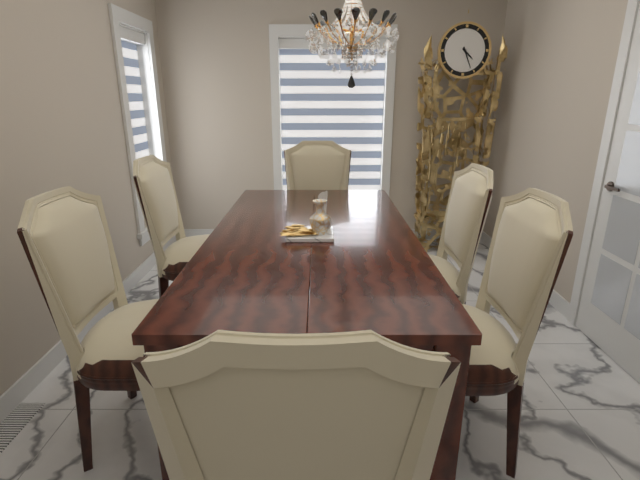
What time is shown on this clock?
4:26
